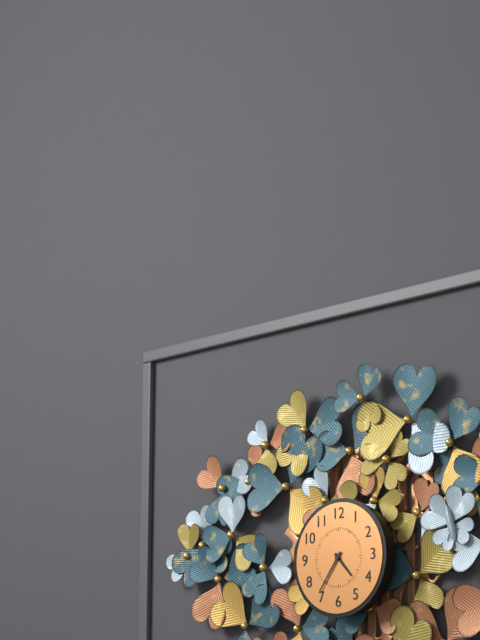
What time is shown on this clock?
4:36
